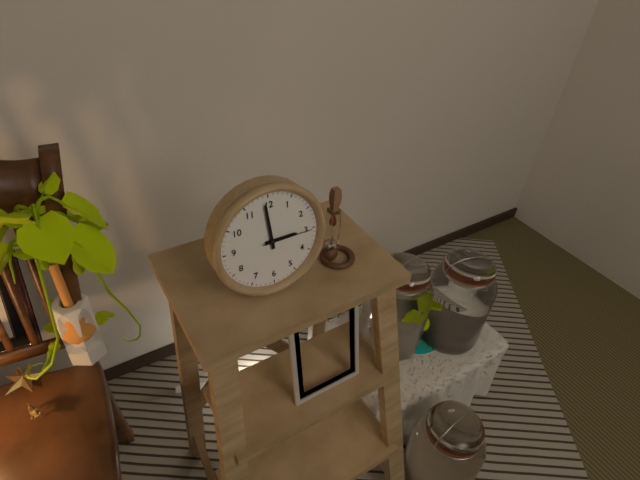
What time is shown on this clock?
2:59:15
